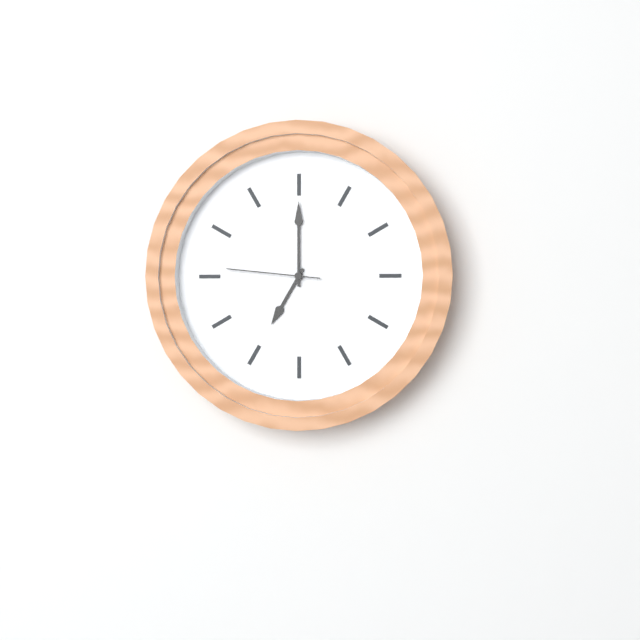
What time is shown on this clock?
7:00:46
